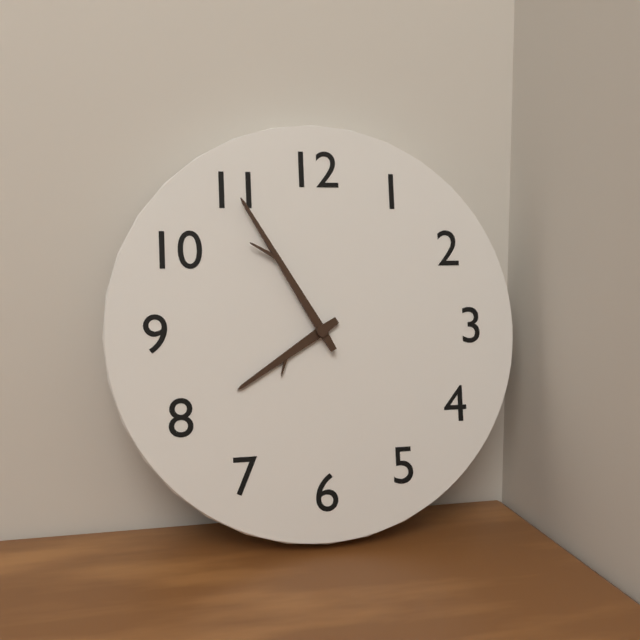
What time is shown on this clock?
7:55
